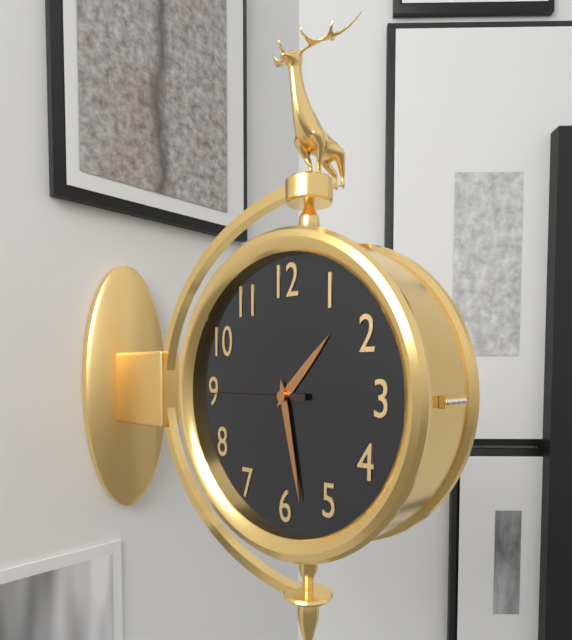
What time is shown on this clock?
1:28:45
